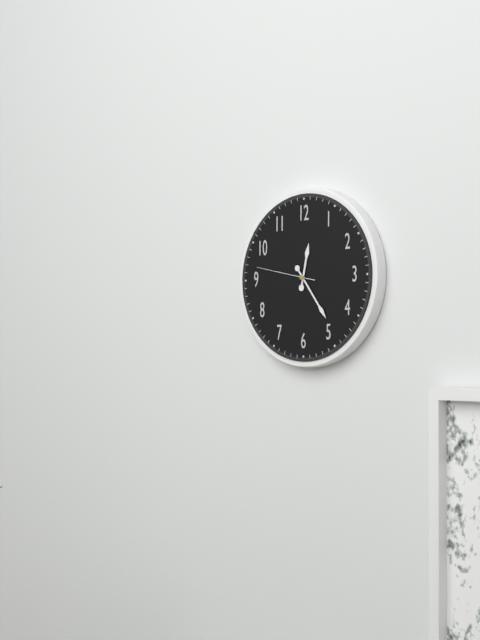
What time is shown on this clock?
12:24:47
